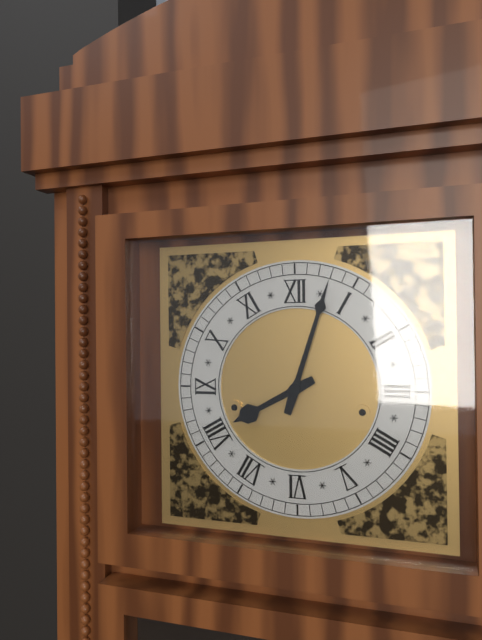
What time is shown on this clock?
8:03
